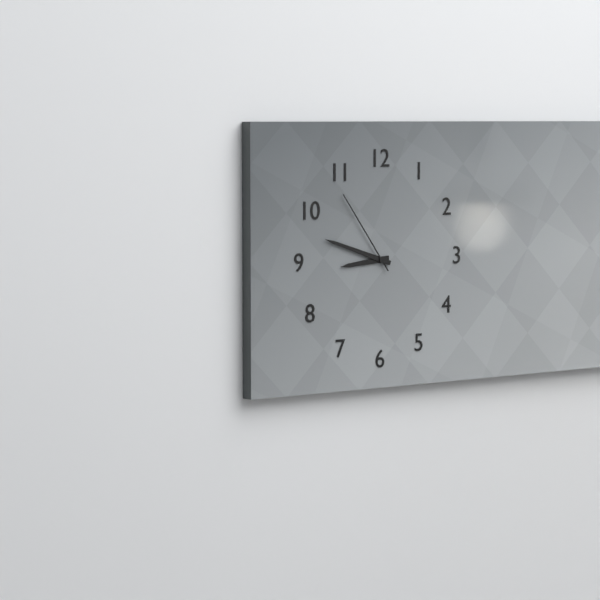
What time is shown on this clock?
8:48:54
